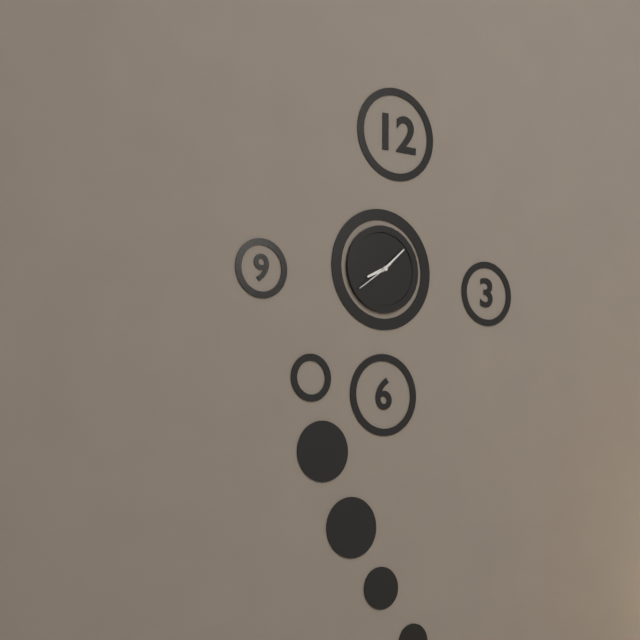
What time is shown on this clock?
8:08
